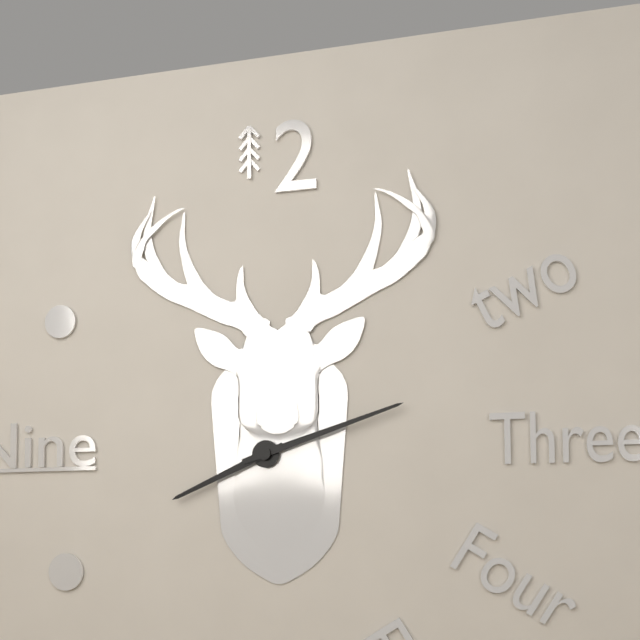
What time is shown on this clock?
8:12
